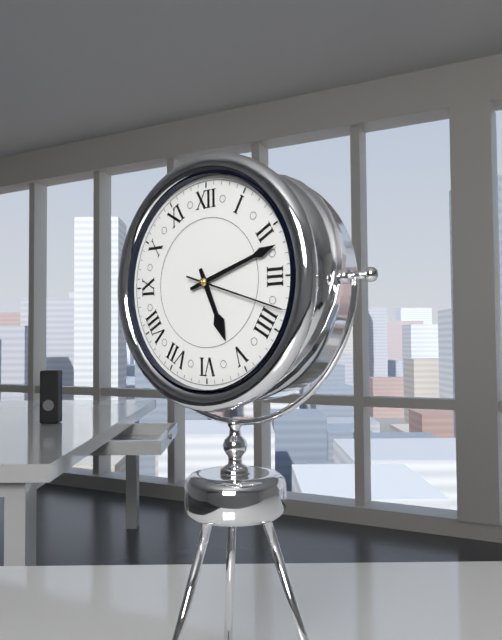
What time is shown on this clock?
5:12:18
